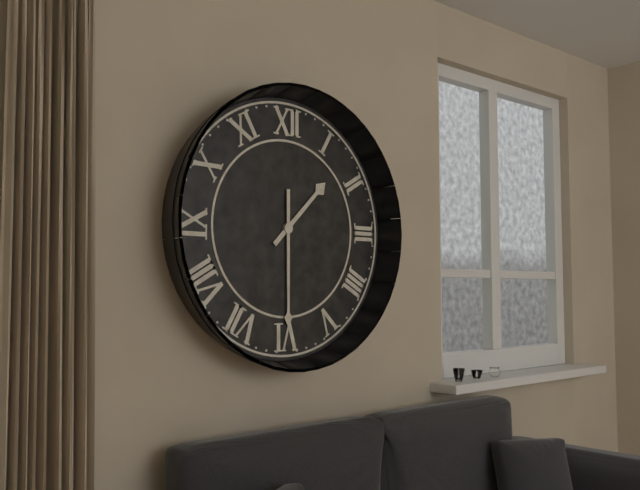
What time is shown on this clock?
1:30
